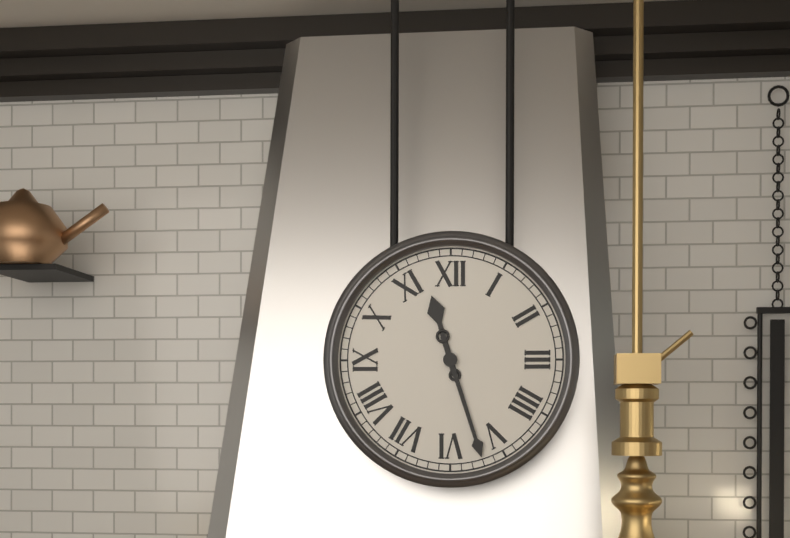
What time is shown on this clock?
11:27
